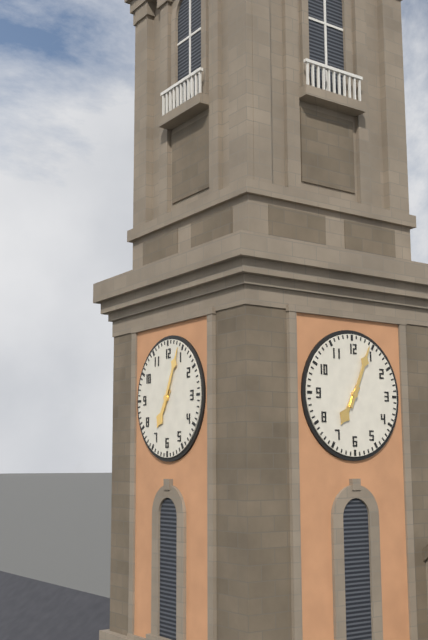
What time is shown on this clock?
7:04
